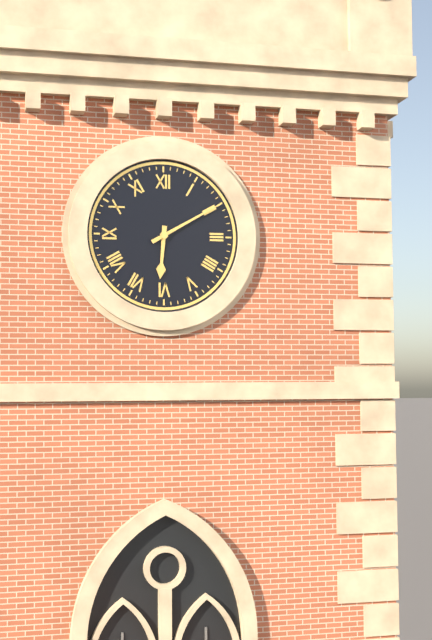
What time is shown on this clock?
6:10
